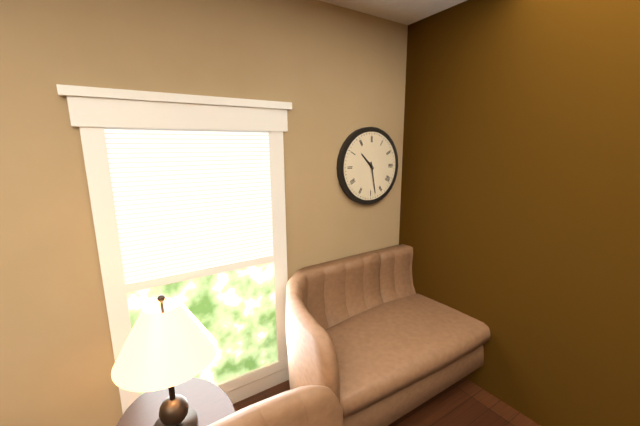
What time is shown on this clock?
10:28
